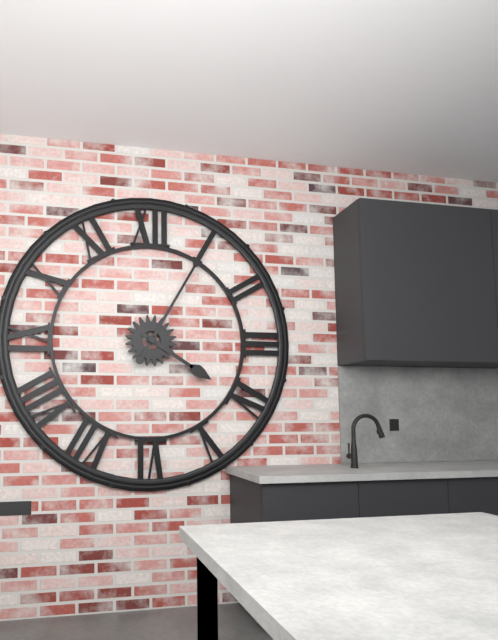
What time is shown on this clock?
4:05
